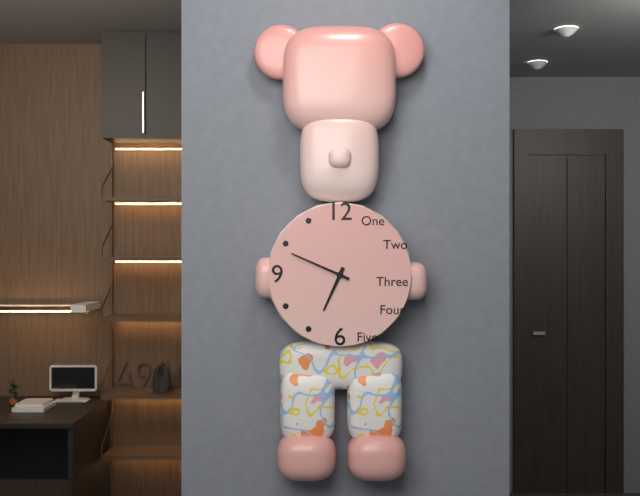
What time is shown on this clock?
6:49
